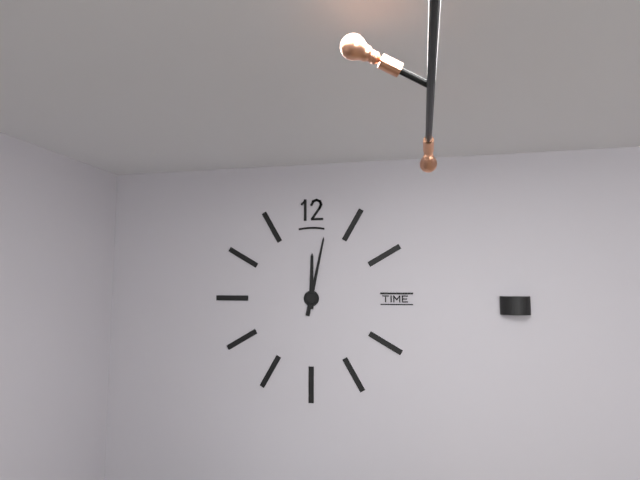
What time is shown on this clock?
12:02
